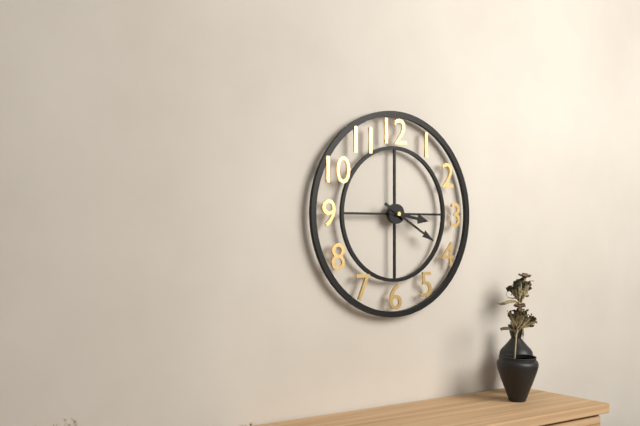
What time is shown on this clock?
3:20
